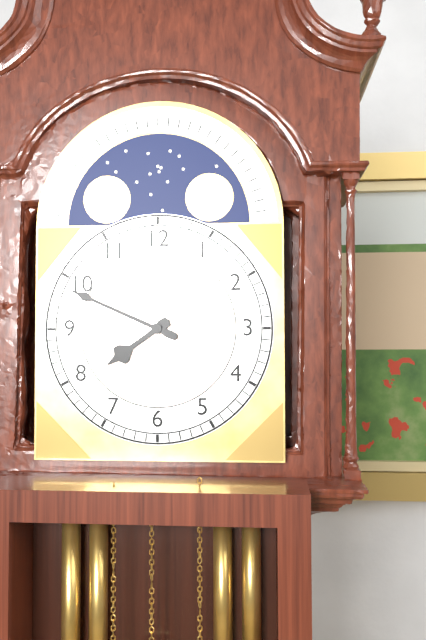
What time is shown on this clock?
7:49
